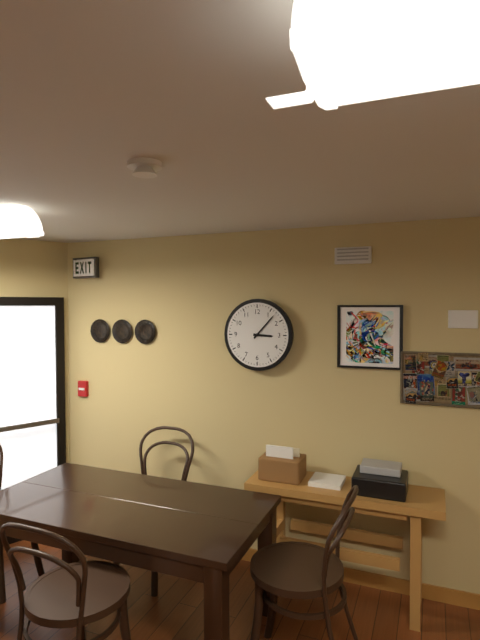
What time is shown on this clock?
3:07
